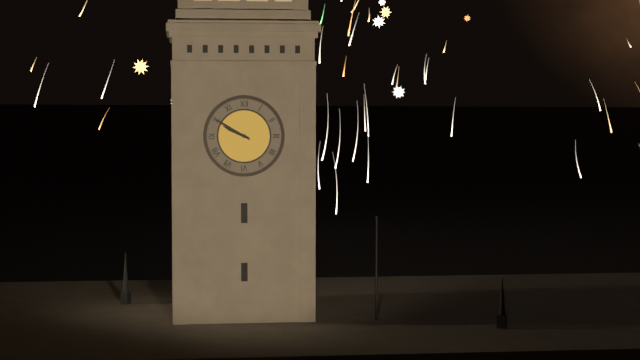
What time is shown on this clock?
9:50
